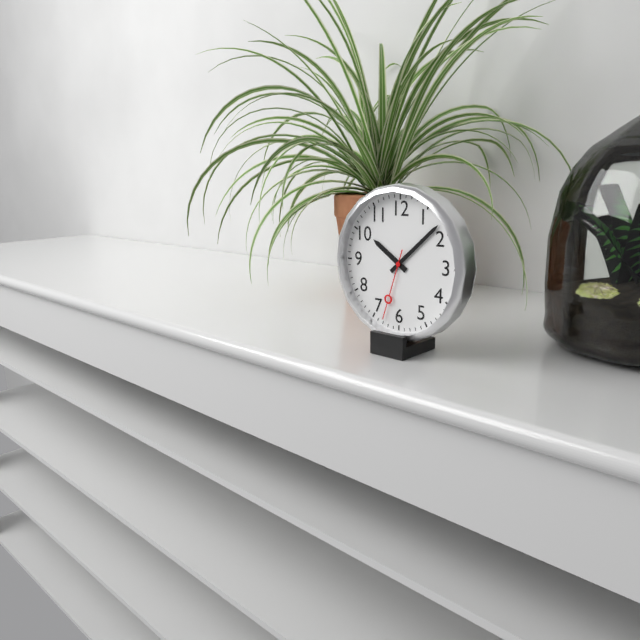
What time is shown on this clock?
10:08:33
